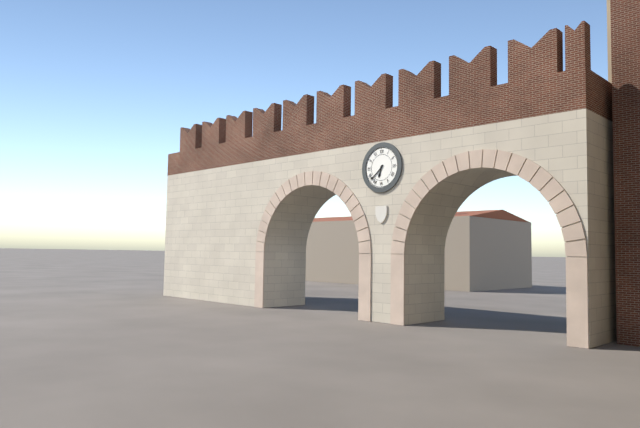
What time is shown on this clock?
6:38
